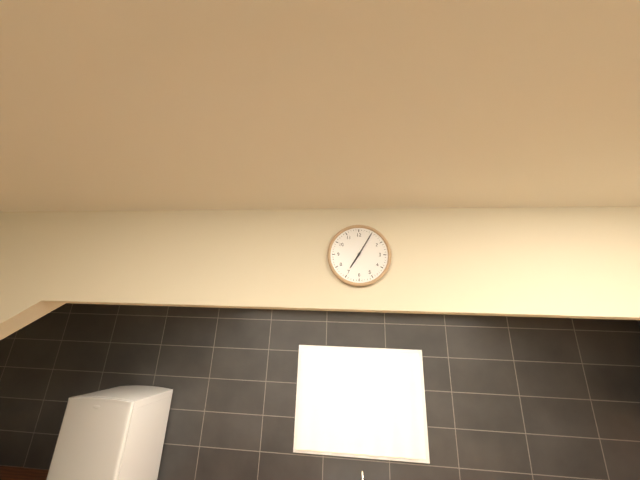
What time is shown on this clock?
7:05
